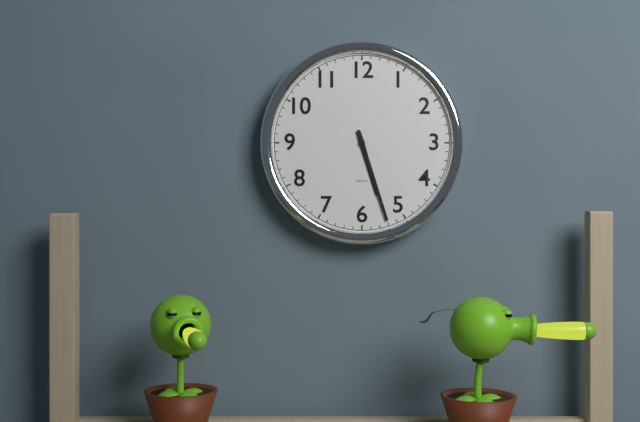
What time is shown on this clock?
5:27
